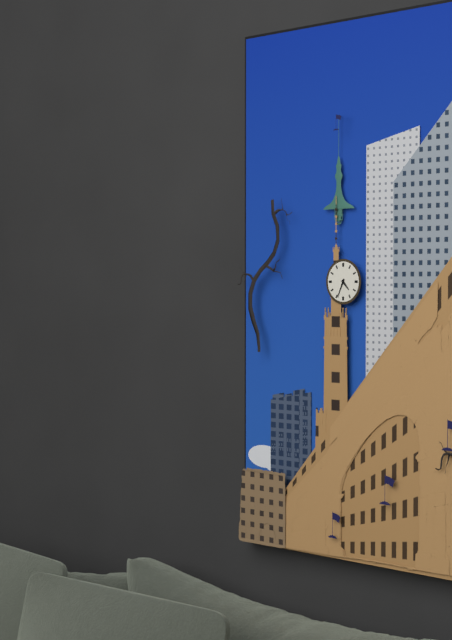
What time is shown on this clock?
4:34
